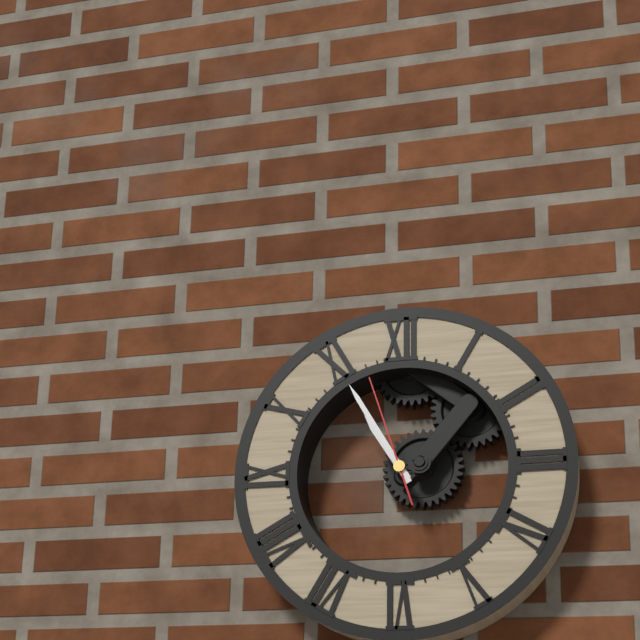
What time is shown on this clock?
10:55:57
